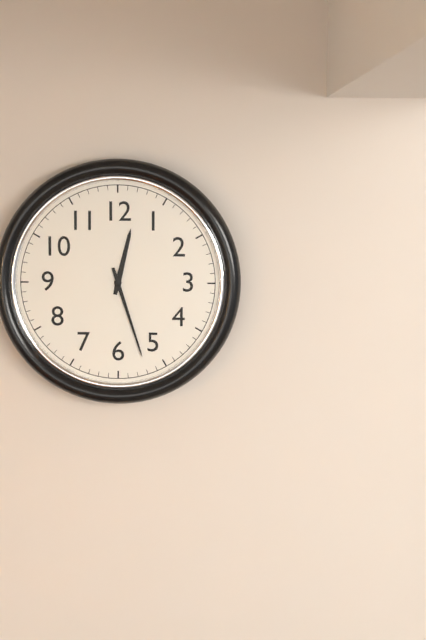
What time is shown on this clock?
12:27
